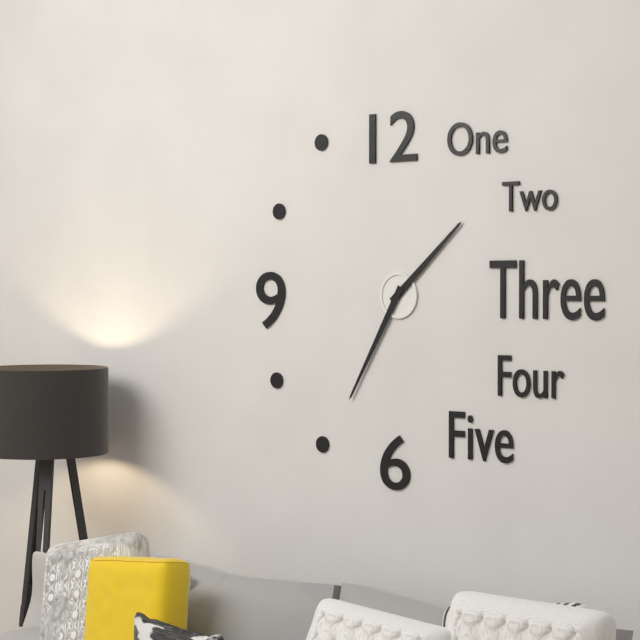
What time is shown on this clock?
1:35
